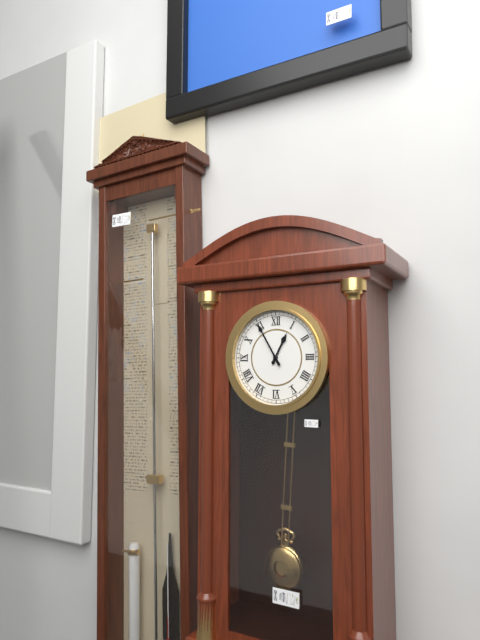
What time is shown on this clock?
12:55
